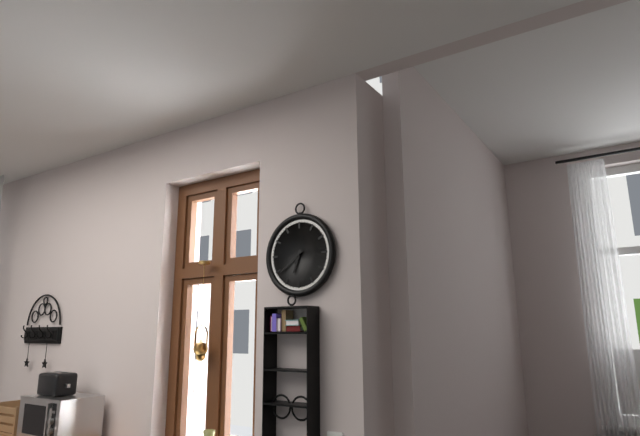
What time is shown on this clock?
6:39
